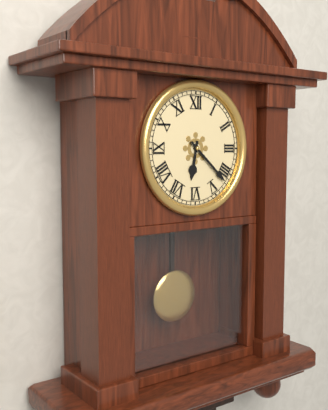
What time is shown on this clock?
6:22
